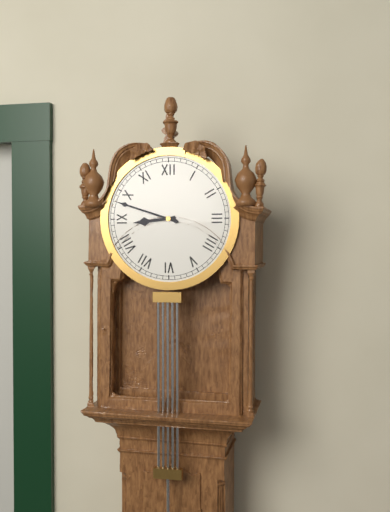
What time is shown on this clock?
8:48
